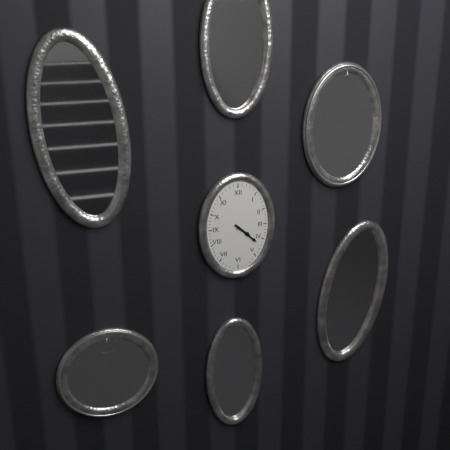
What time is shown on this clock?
4:22
